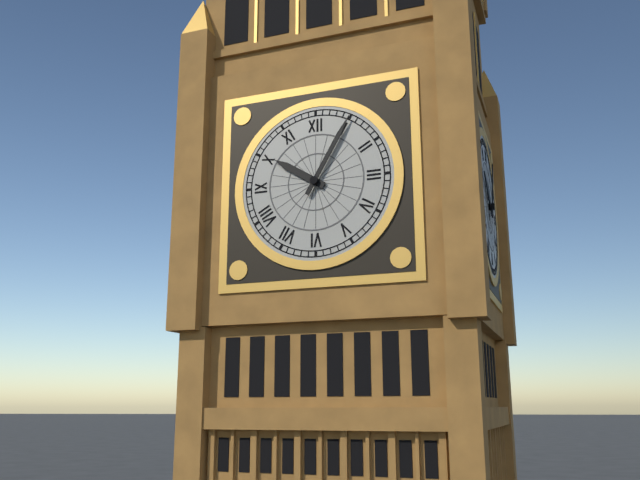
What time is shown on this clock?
10:05
